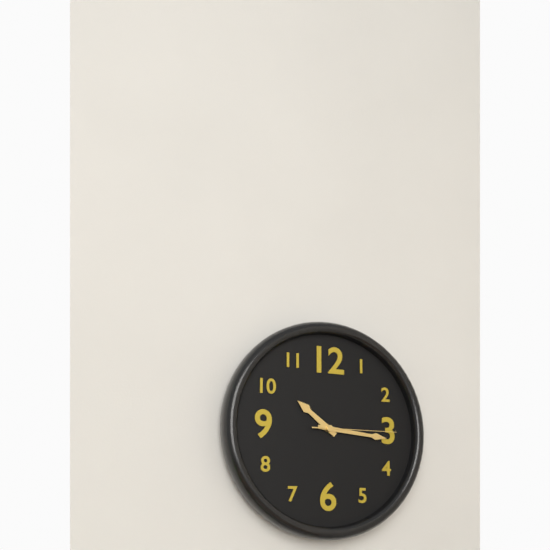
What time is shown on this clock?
10:16:15
